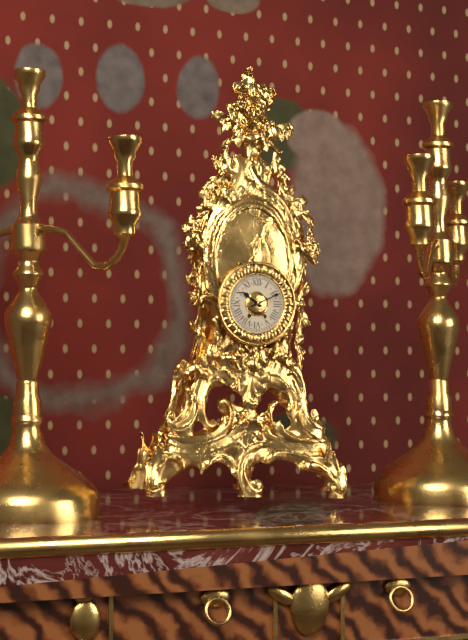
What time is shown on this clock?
10:11
